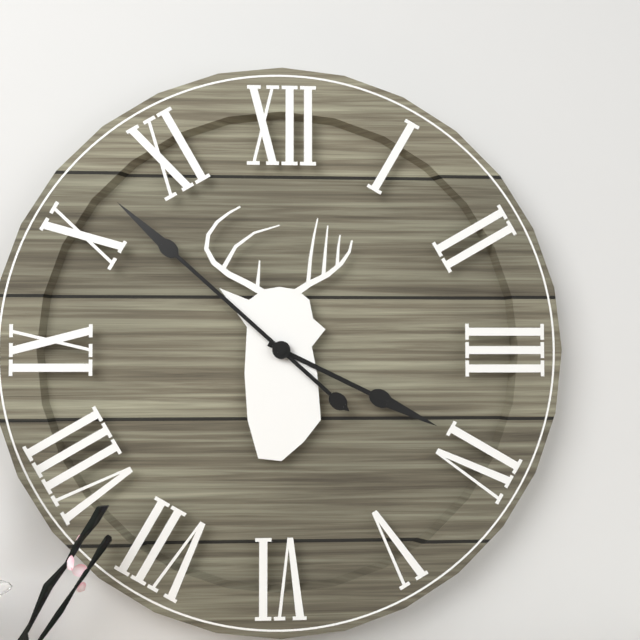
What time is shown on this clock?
3:52
